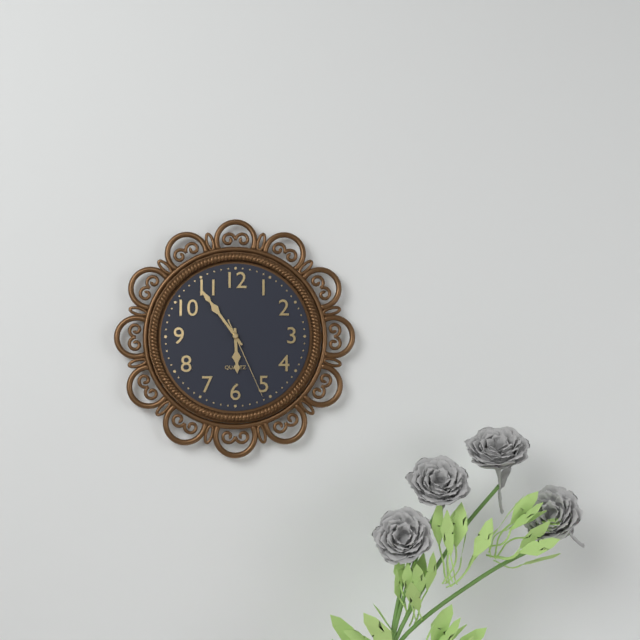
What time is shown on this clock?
5:54:26
